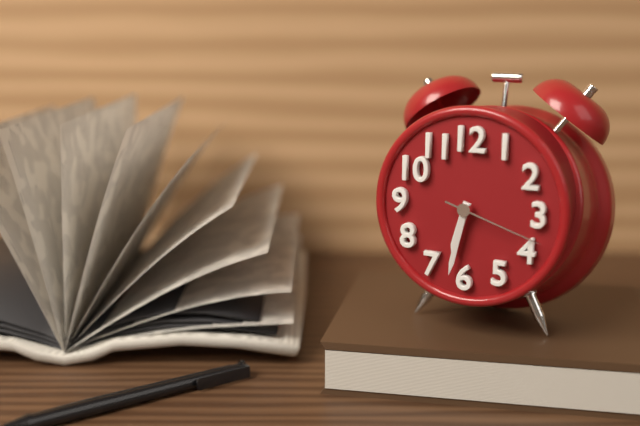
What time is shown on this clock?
6:32:18
